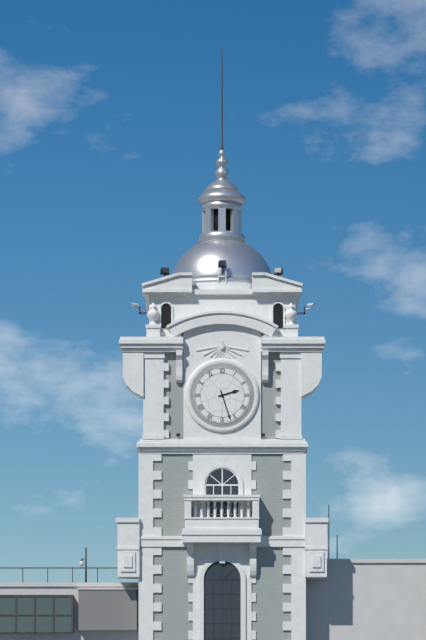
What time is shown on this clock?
2:27
